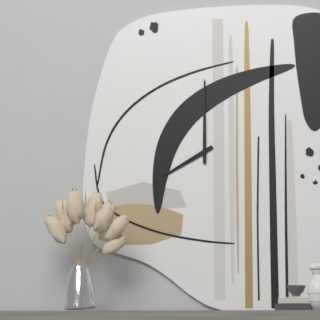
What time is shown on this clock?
8:00
